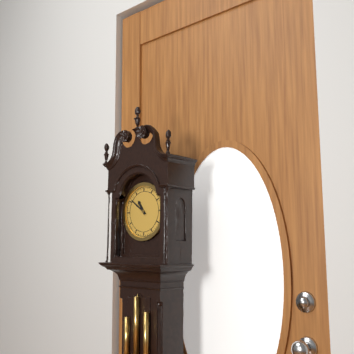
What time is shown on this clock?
10:51
